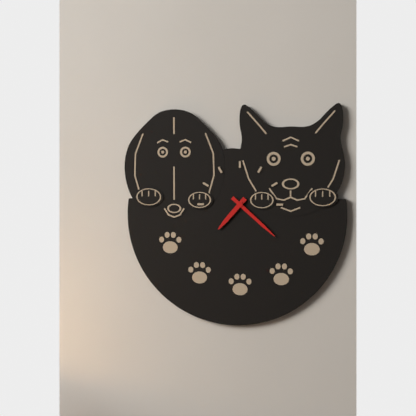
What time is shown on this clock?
7:22
